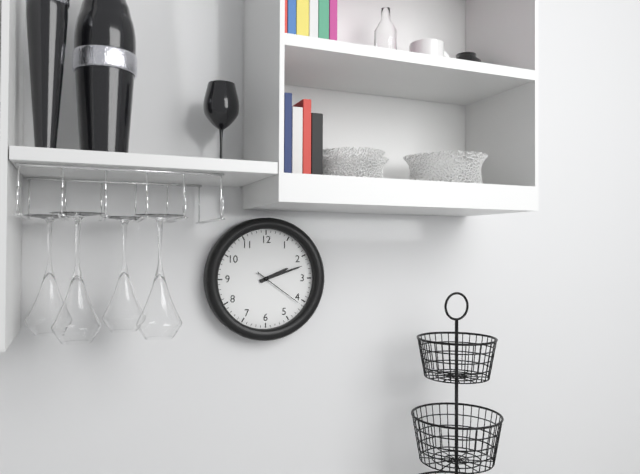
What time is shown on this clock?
2:12:21
